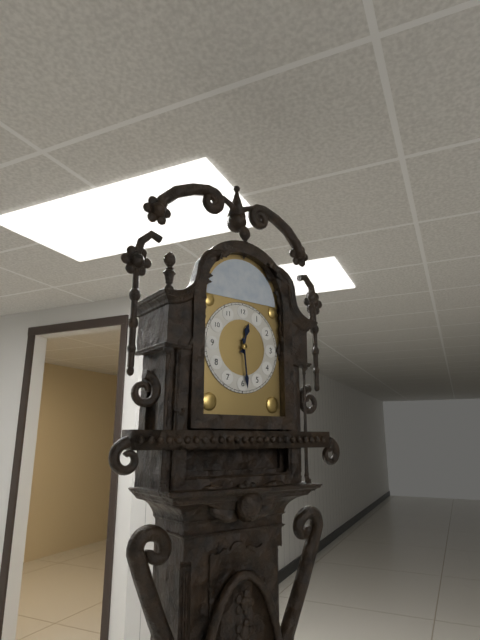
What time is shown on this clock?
12:29
